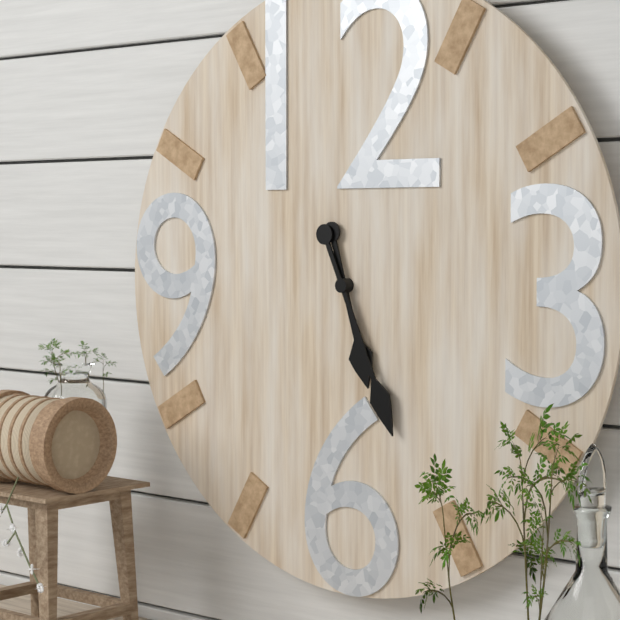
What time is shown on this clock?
5:26
